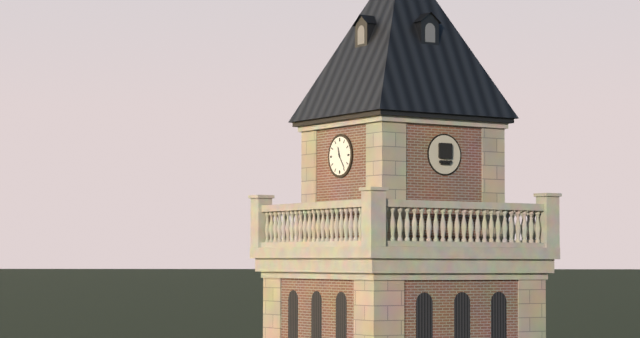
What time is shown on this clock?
11:24
